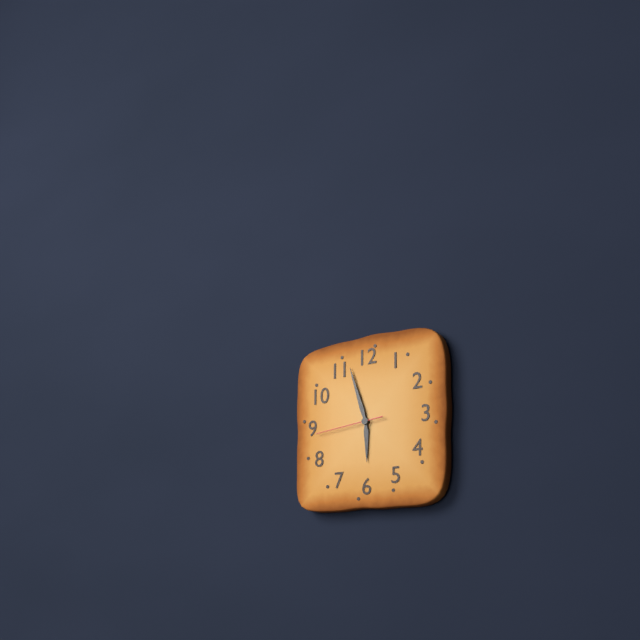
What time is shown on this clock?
5:57:44
